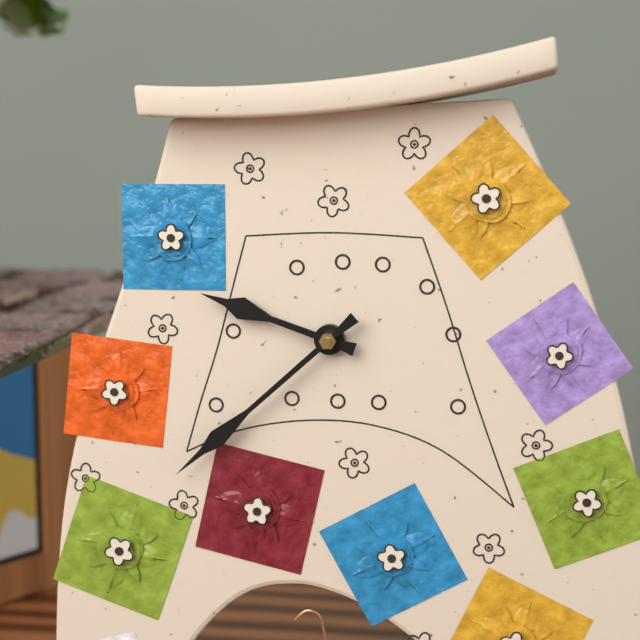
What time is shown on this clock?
9:38
